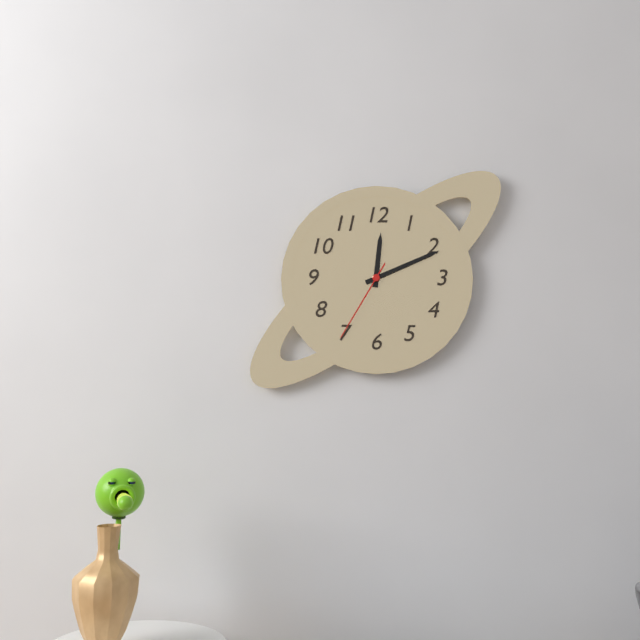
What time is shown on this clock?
12:11:35
